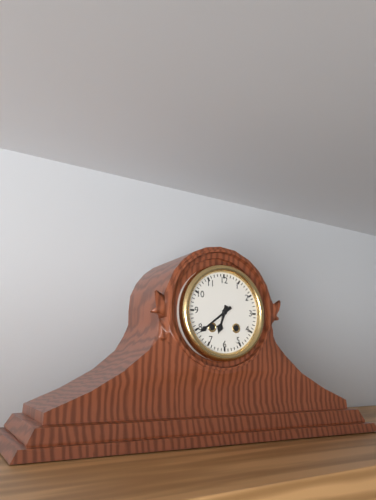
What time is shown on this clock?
6:39
